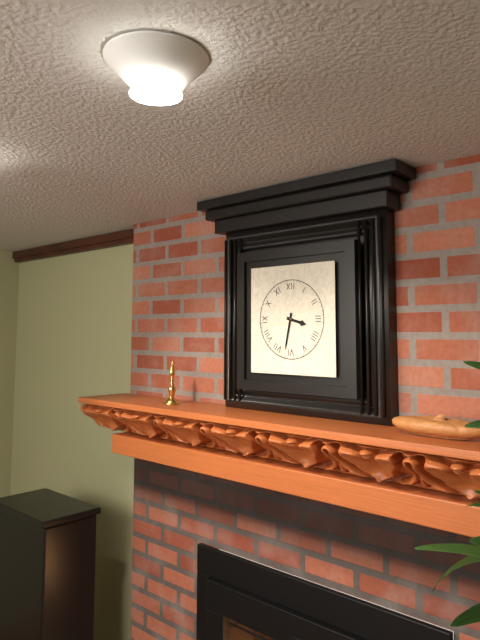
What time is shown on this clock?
3:32
